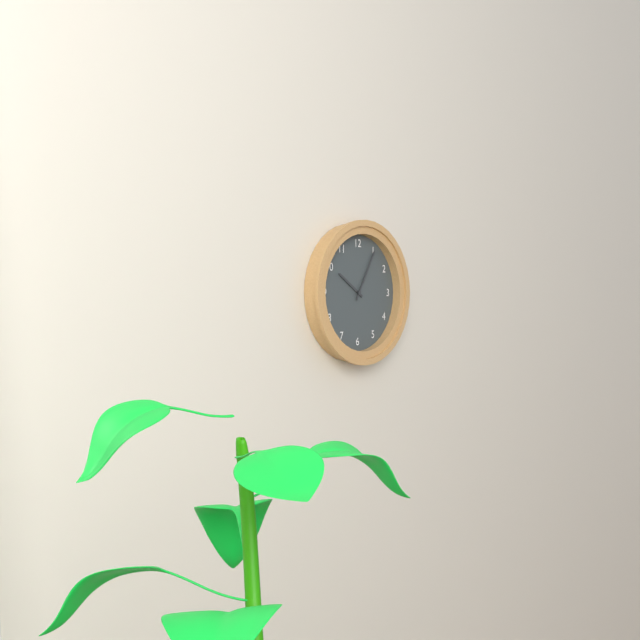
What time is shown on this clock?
10:05
